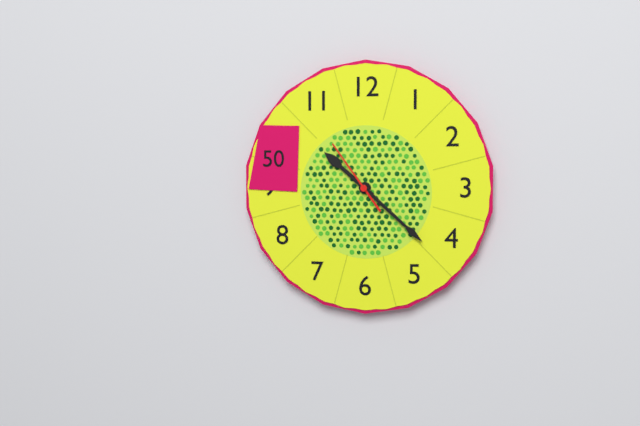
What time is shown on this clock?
10:22:54
